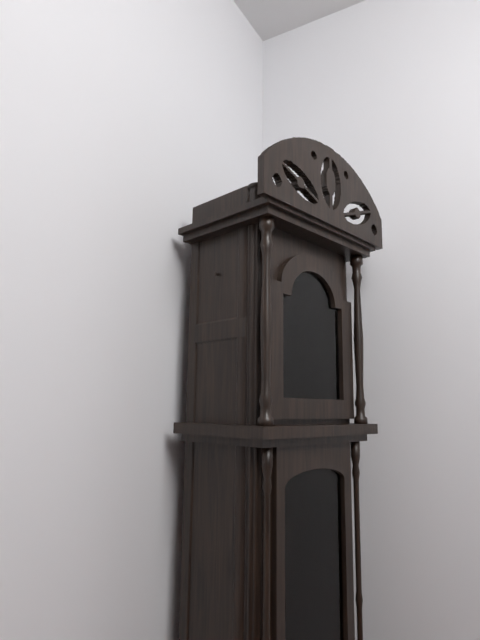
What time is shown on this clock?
8:09
